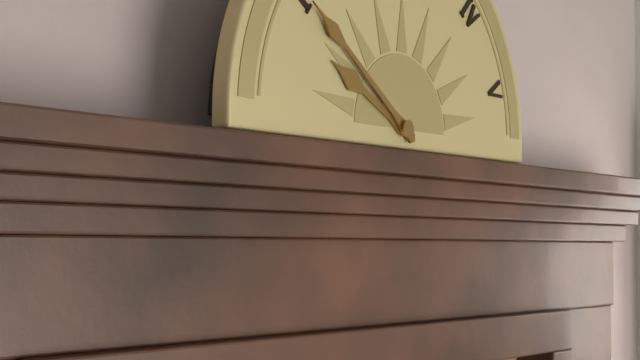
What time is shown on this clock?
9:51
